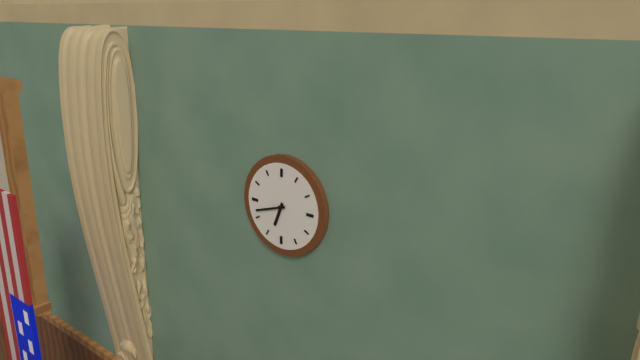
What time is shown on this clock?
6:42
